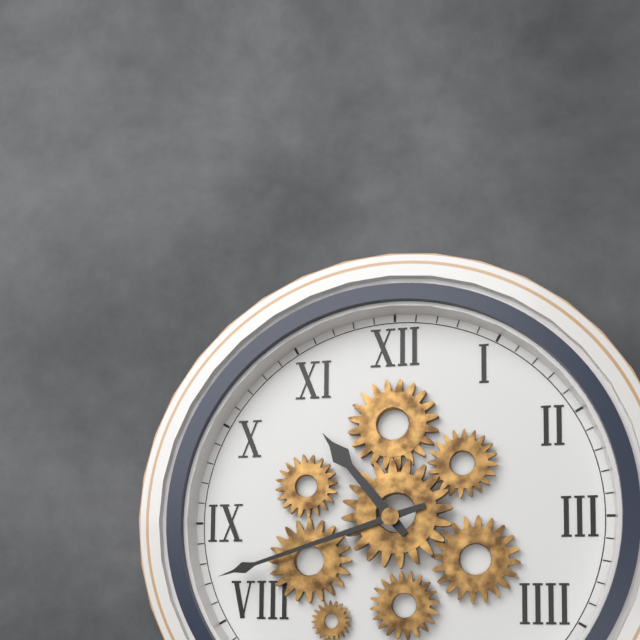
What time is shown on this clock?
10:42
